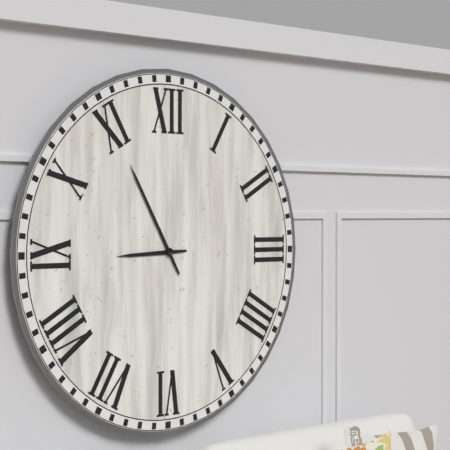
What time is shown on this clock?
8:55
